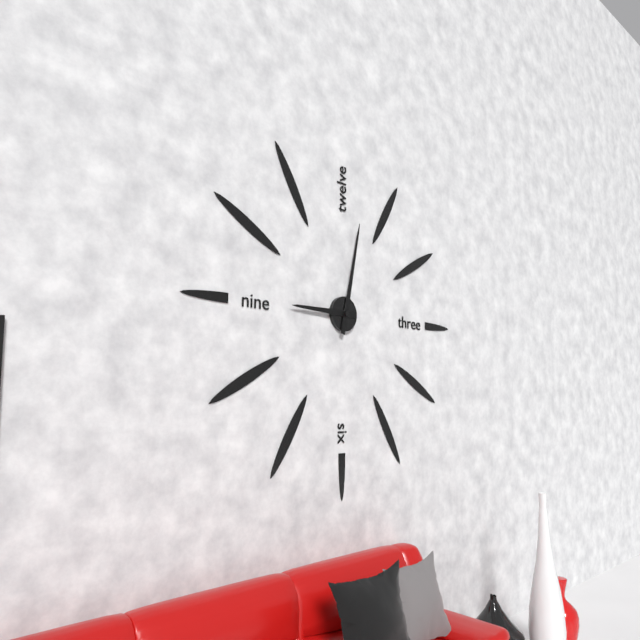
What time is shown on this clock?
9:02
